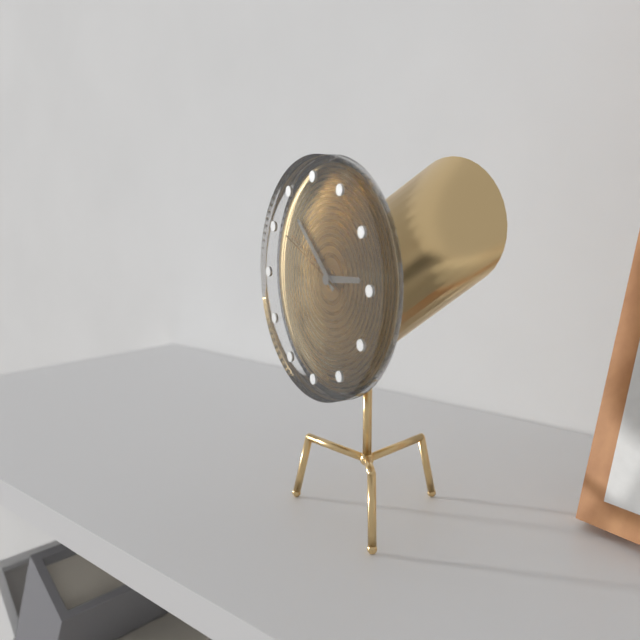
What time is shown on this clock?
2:52:49
